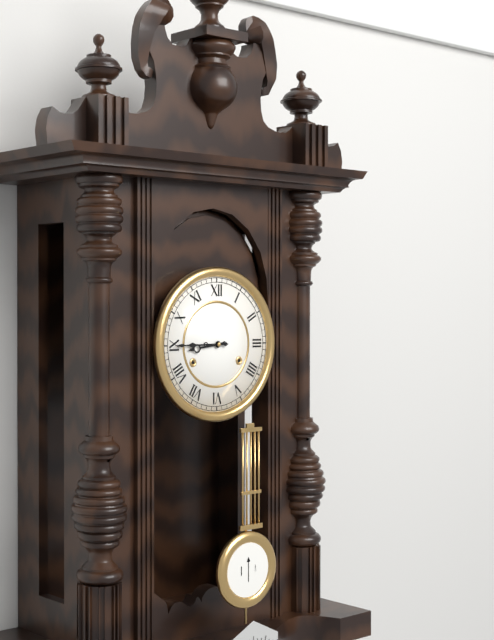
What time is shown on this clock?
8:45
